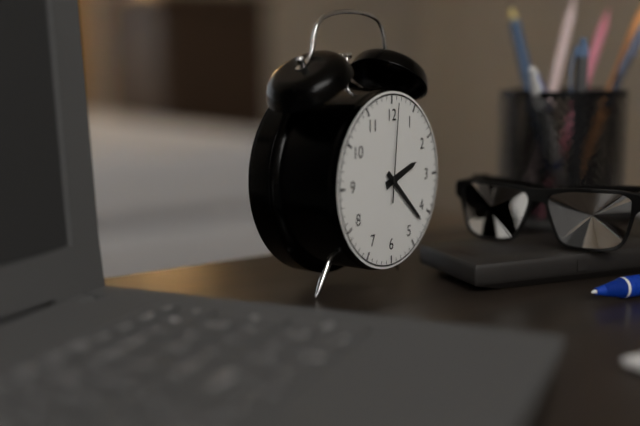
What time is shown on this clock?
2:22:01
